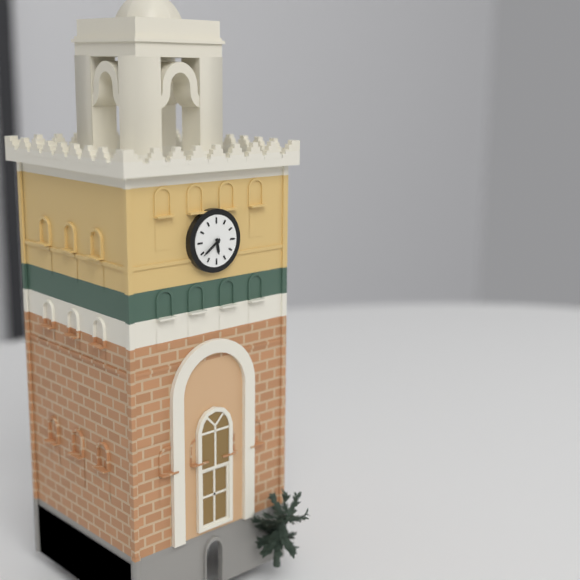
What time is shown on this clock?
5:39
